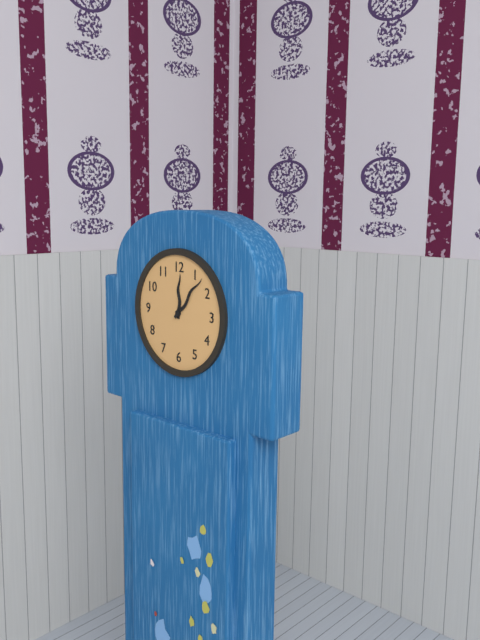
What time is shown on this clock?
12:07
